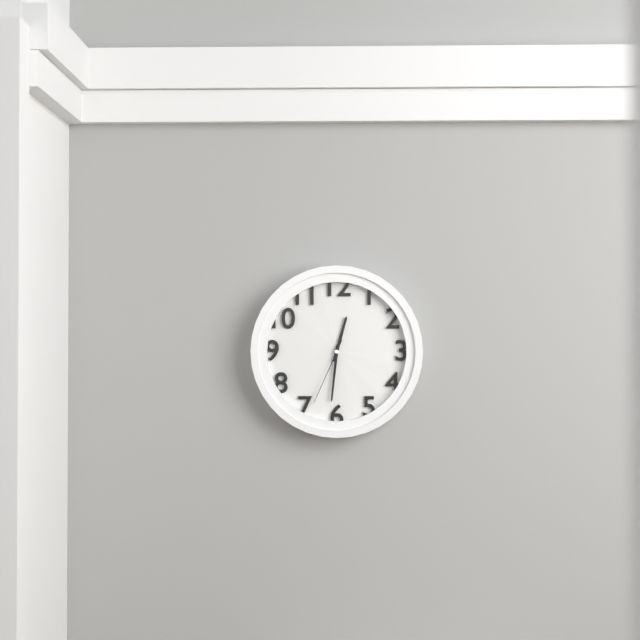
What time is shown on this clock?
12:31:34
